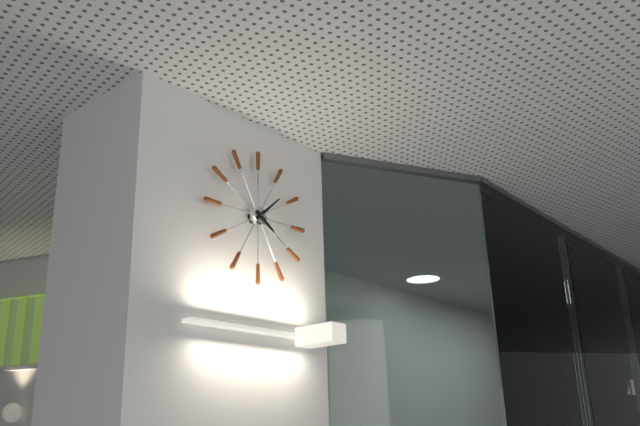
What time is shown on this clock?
4:08
